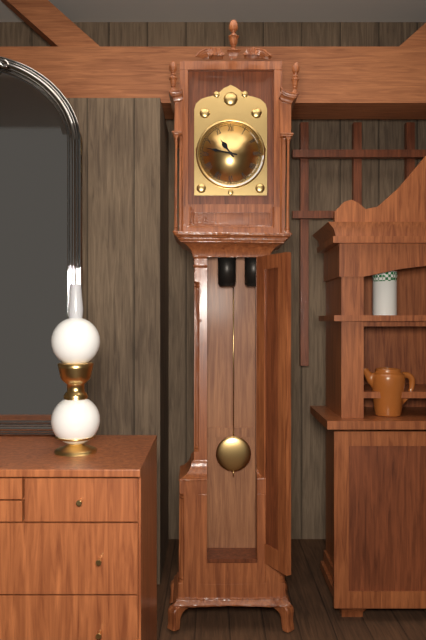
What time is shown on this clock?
10:47
